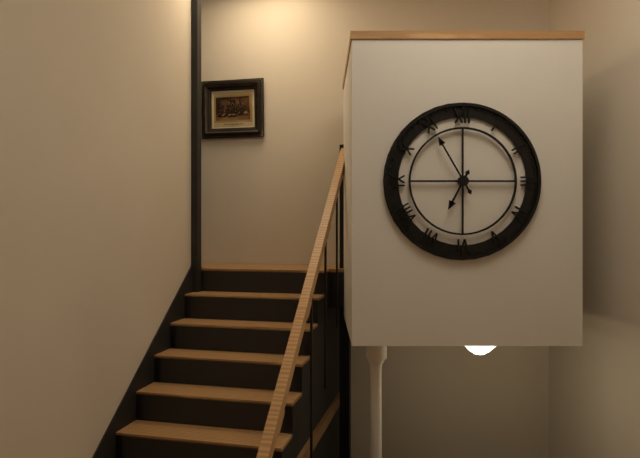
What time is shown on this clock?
6:55
